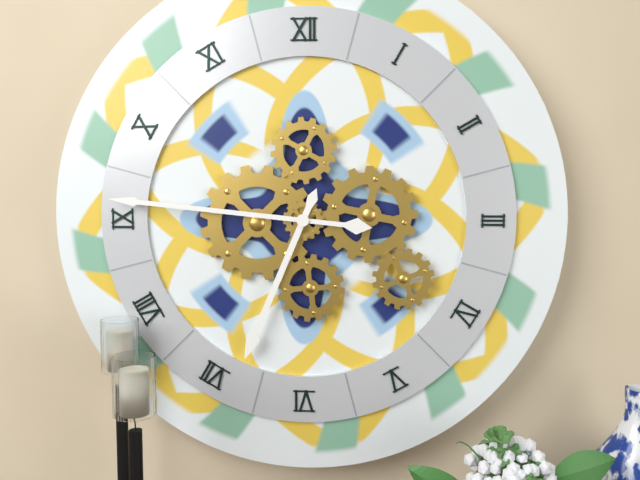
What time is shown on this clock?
6:46
